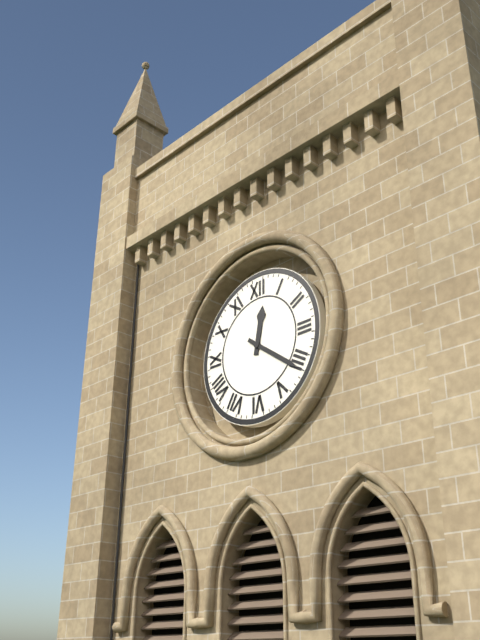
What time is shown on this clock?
12:21
